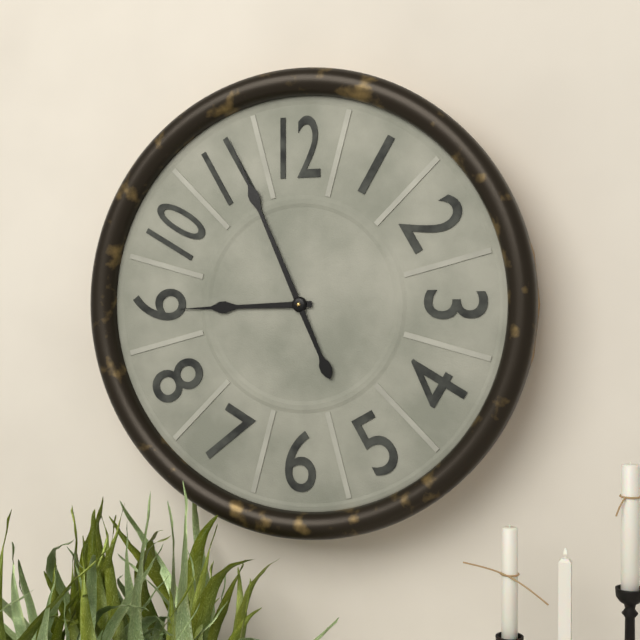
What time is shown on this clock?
8:56
